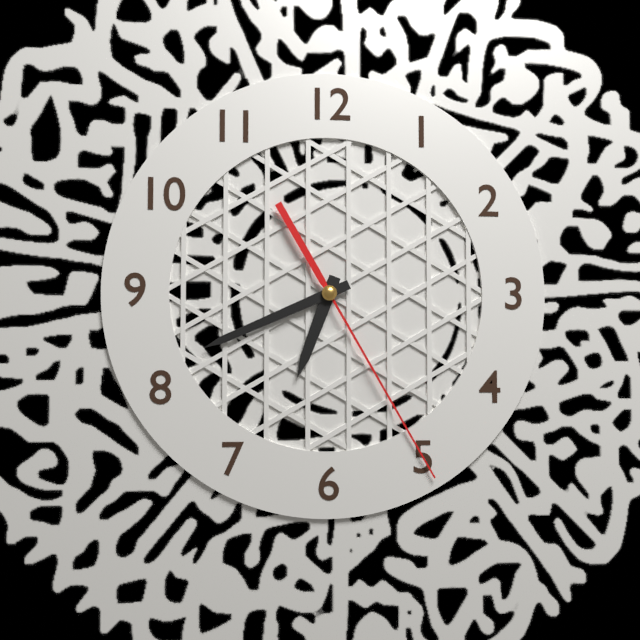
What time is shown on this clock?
6:41:25
